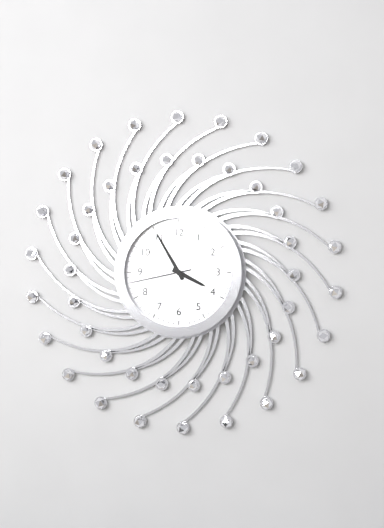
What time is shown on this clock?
3:55:43
